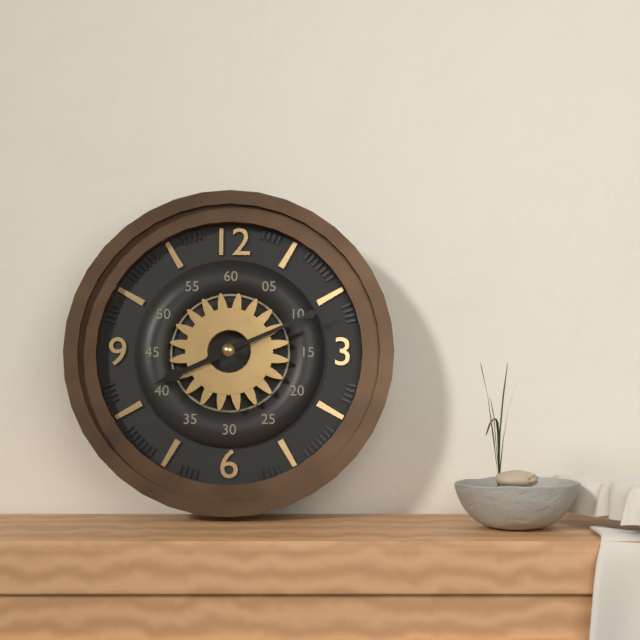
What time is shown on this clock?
8:11
